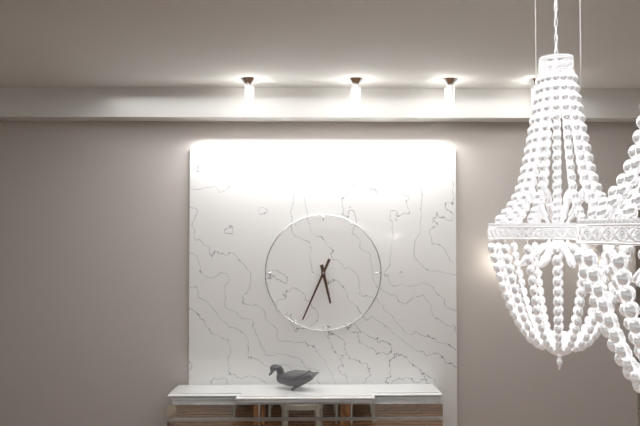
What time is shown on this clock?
5:34
